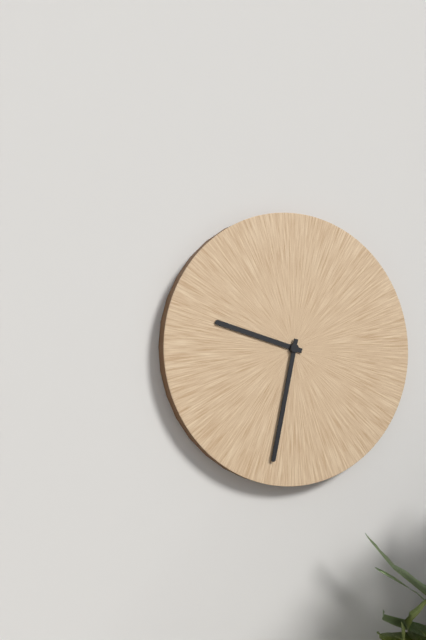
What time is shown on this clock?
9:32
